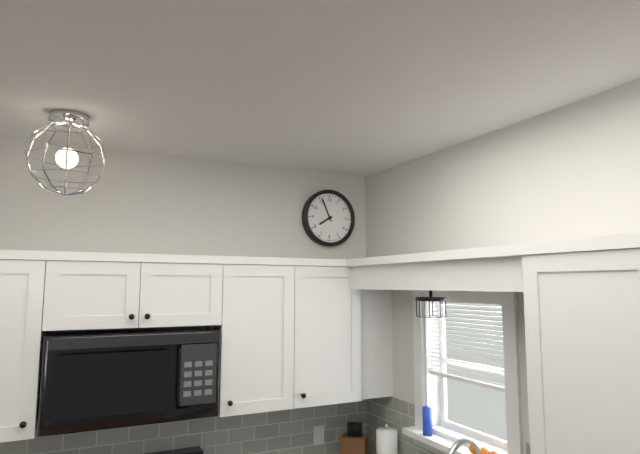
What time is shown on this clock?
7:56
